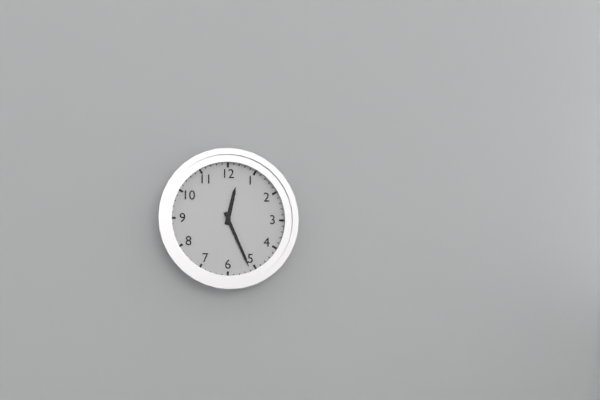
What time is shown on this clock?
12:26
